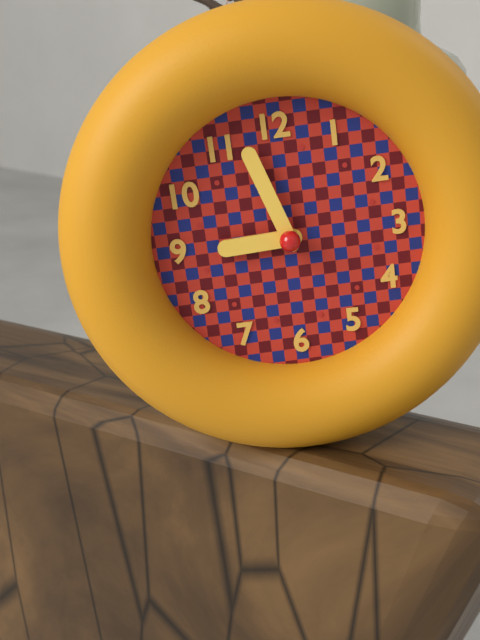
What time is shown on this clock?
8:57
